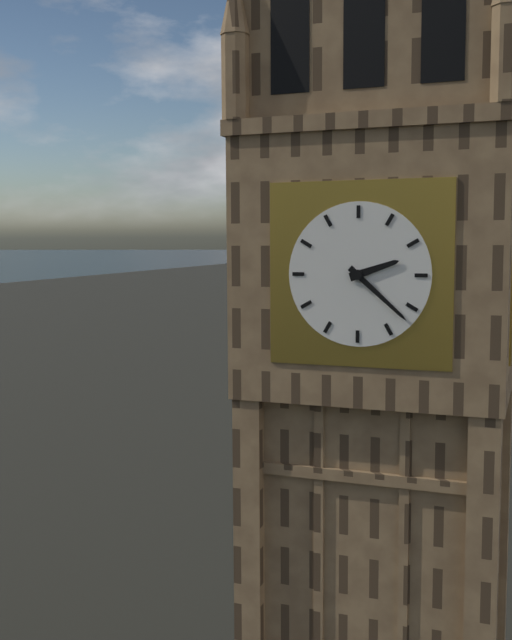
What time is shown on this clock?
2:22
